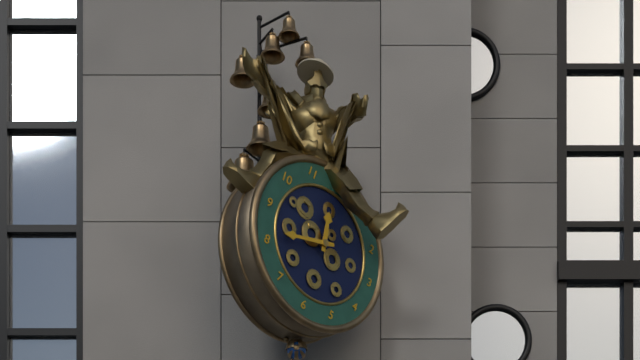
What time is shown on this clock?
11:41
